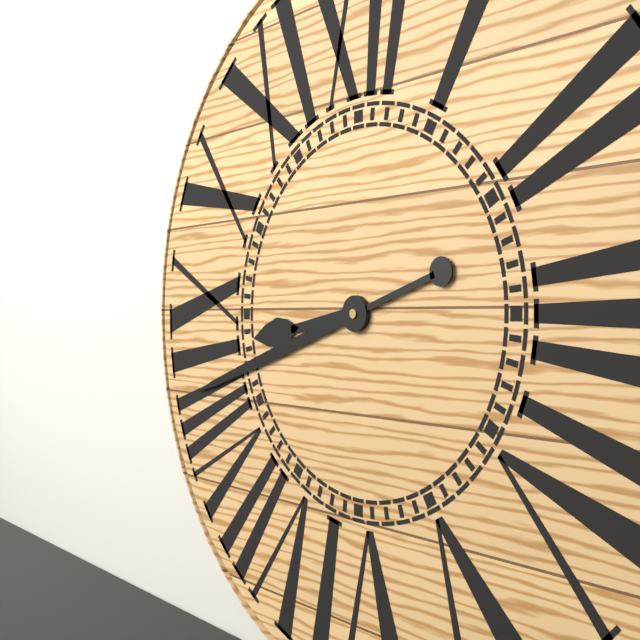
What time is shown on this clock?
8:42
